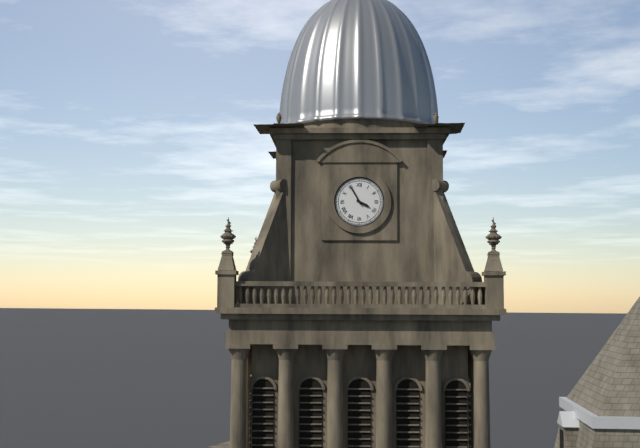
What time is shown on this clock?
3:55
